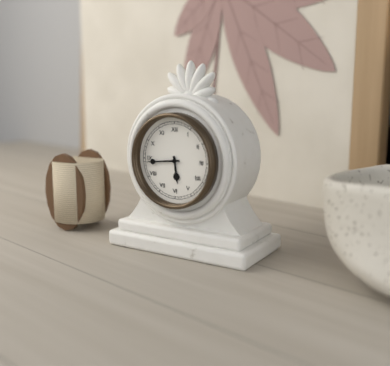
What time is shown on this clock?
5:44
